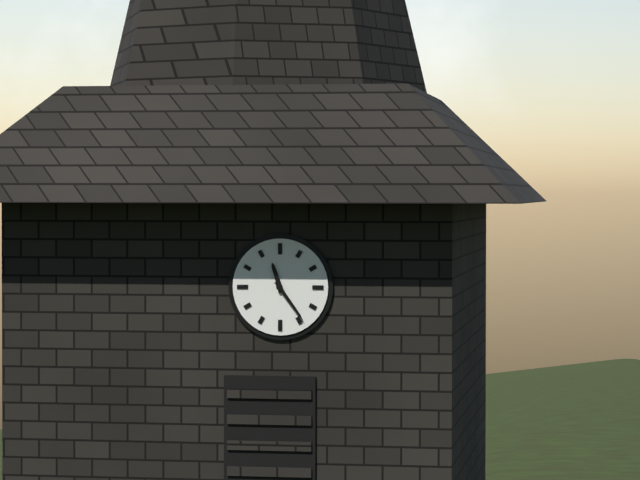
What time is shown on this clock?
11:24
